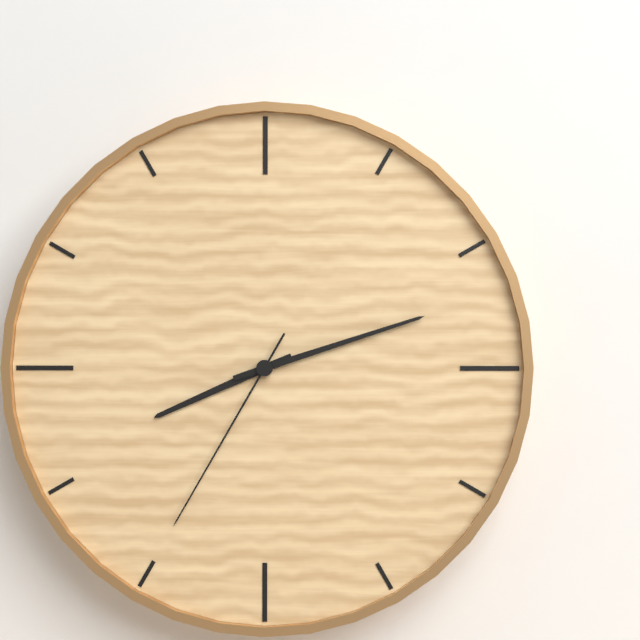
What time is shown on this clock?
8:12:35
